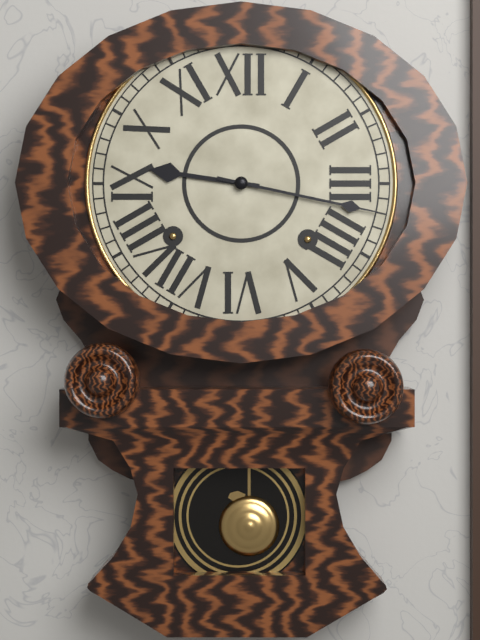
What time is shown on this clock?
9:17
